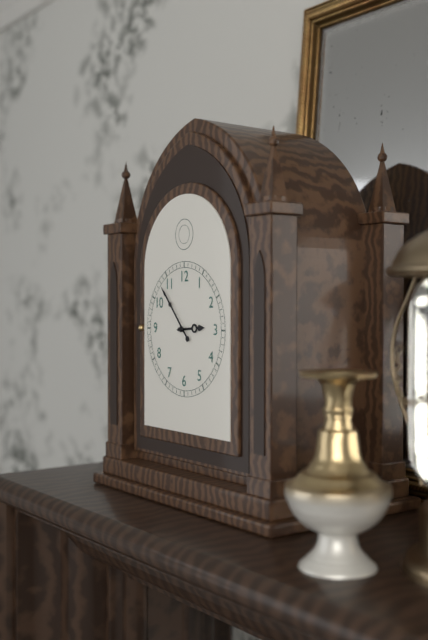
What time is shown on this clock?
2:53
